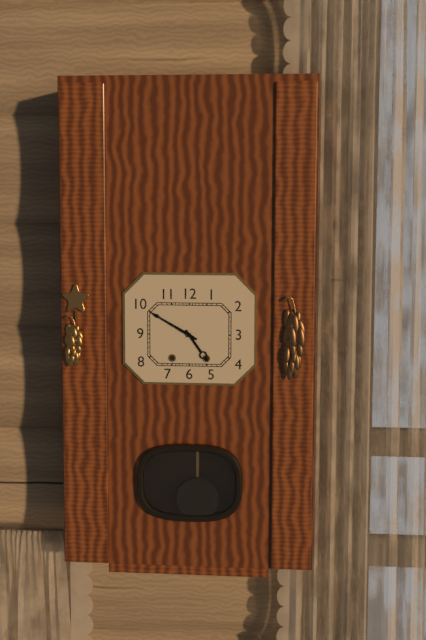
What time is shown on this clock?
4:50
